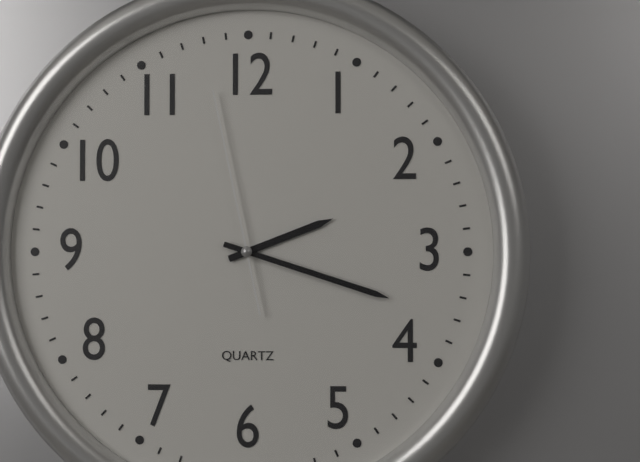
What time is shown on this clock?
2:18:58
